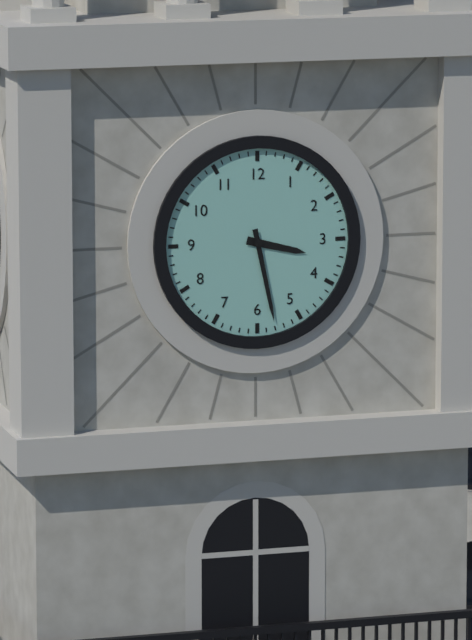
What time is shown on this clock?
3:28
